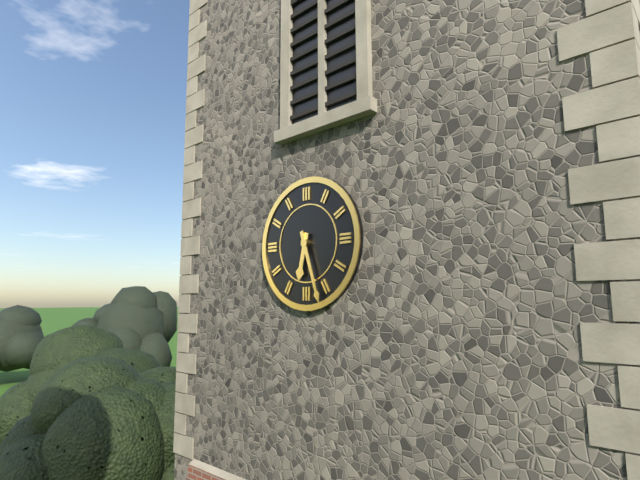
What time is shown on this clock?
6:27
